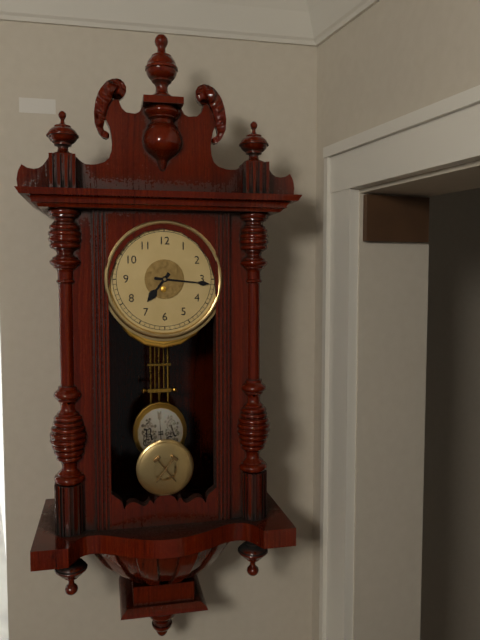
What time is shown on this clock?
7:16
